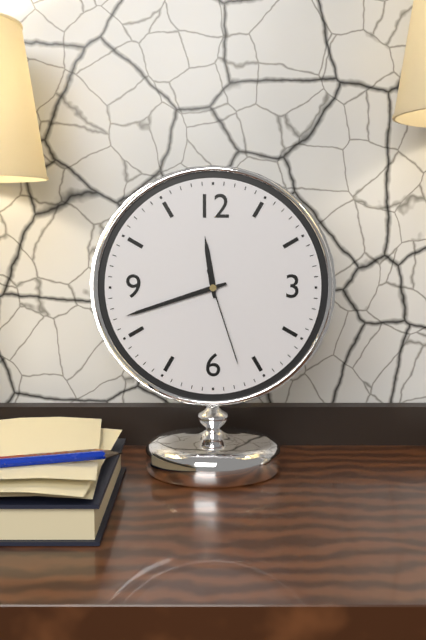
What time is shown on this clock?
11:42:27
